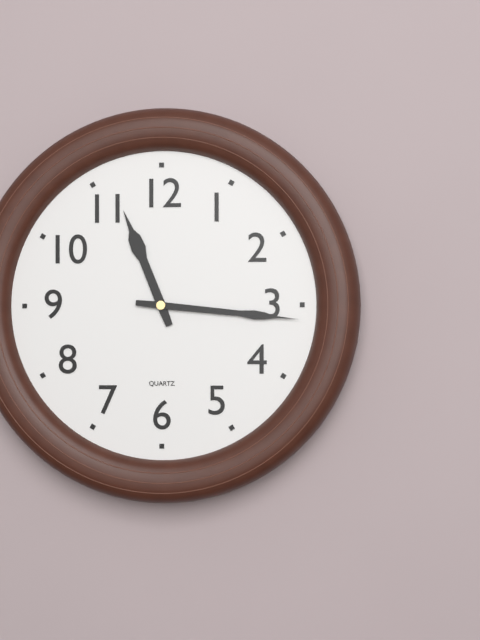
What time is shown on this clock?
11:16
